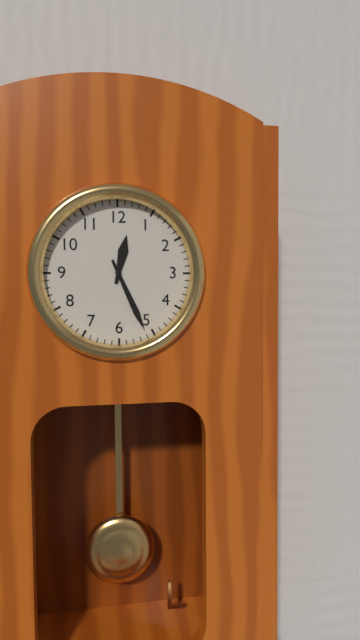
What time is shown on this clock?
12:26
